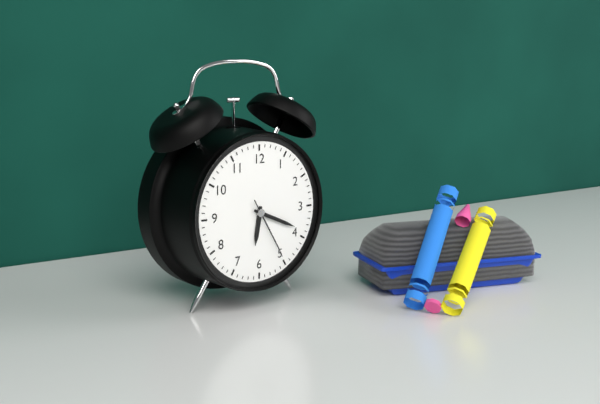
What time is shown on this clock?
6:19:25
